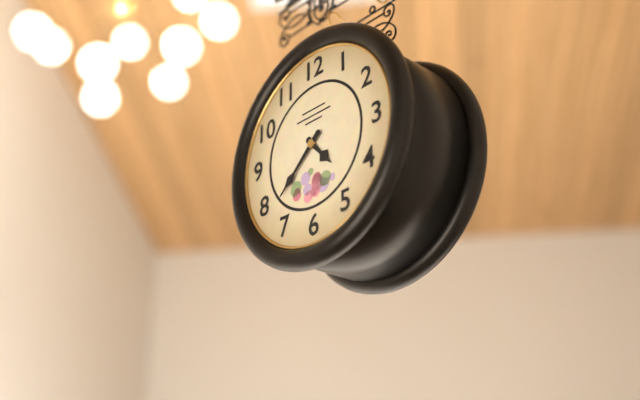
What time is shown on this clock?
4:38
